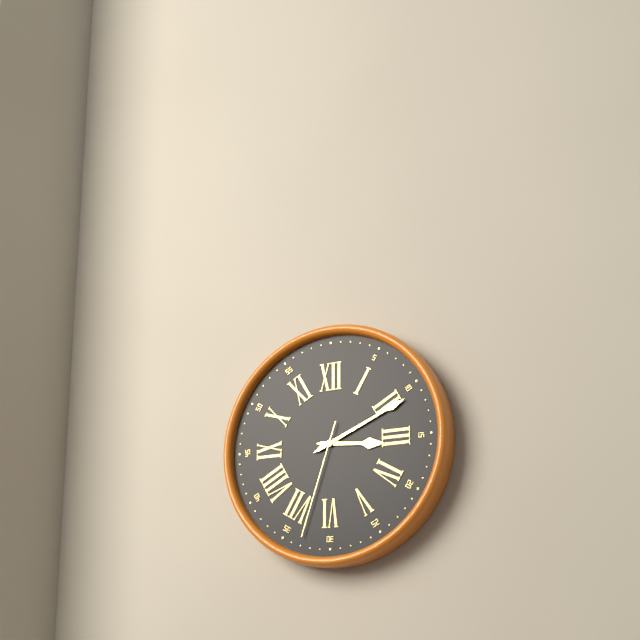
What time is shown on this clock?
3:11:33
